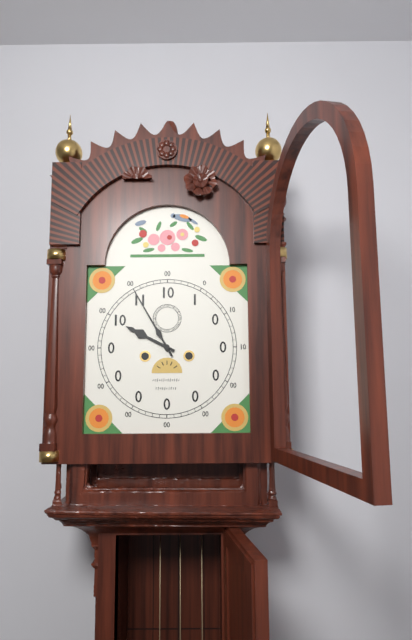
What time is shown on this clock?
9:55
